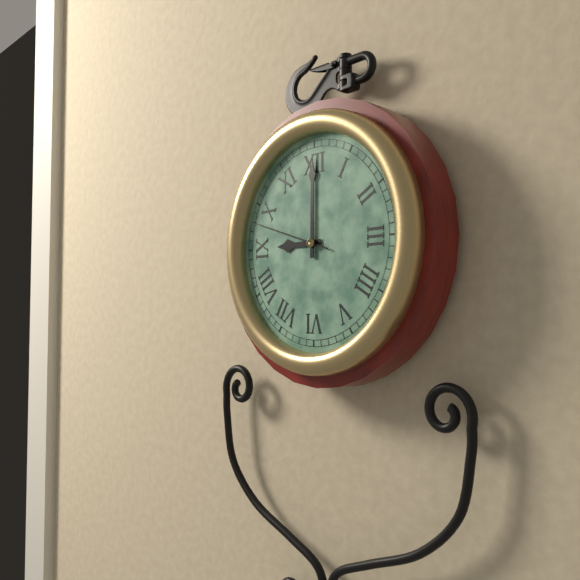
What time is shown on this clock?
9:00:48
